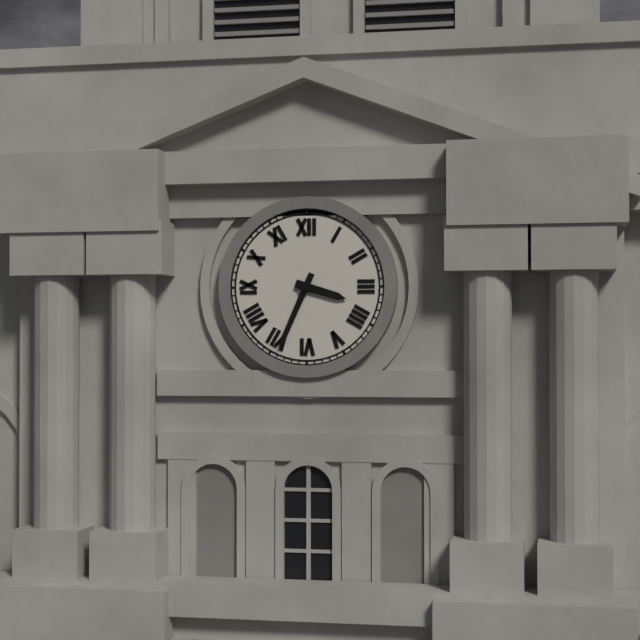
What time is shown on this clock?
3:34
